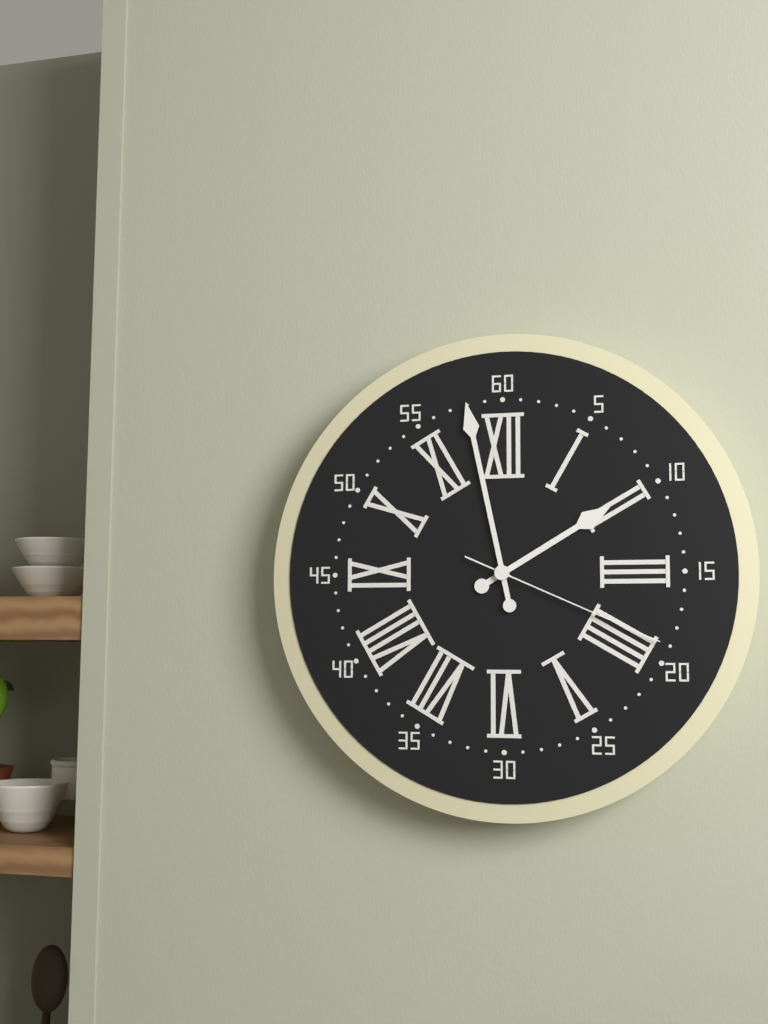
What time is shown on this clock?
1:58:19
